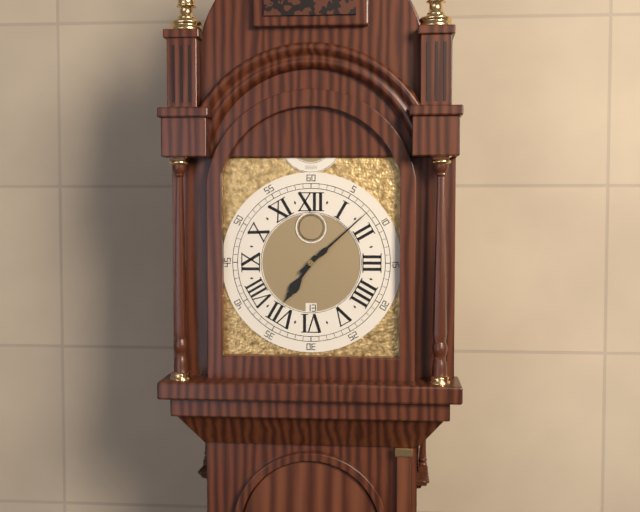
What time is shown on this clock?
7:08
